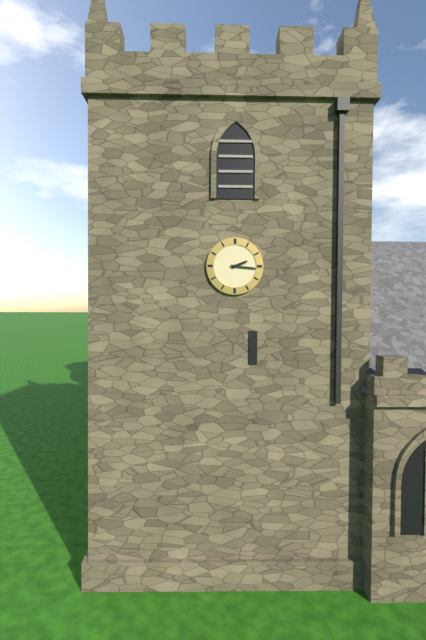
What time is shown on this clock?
2:16
